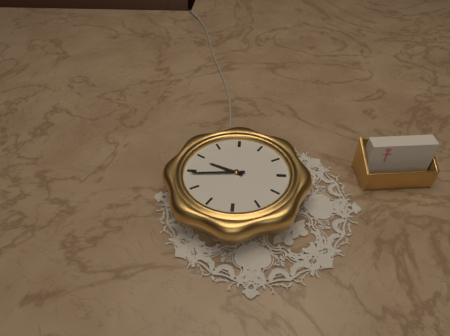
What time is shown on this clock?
9:44
